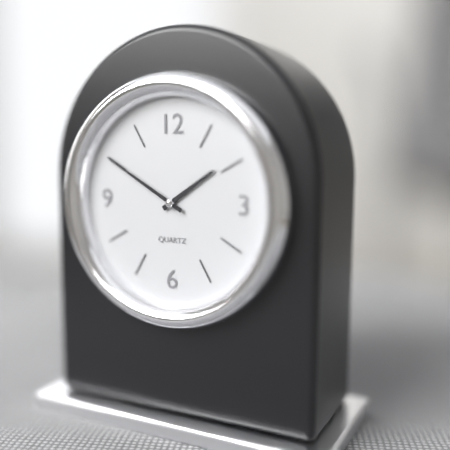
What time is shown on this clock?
1:50
